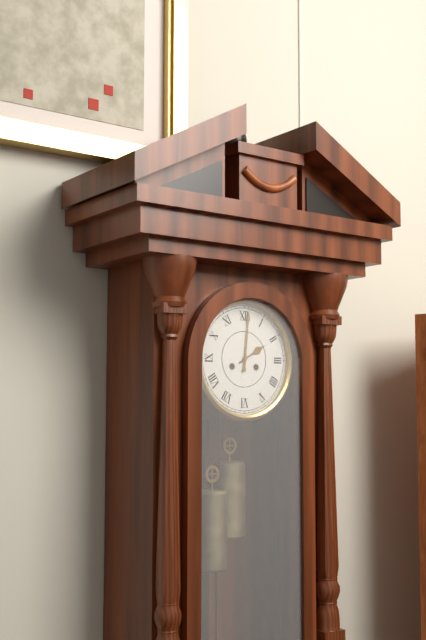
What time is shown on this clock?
2:01
